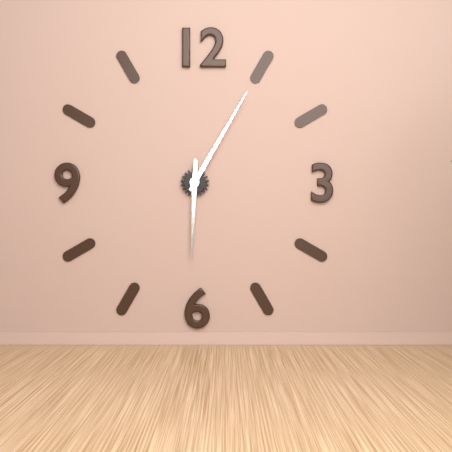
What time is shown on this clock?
6:05
